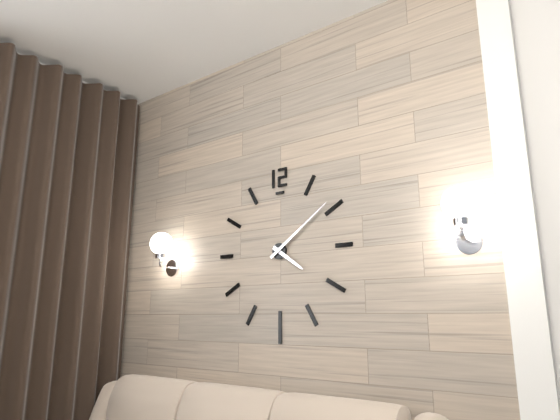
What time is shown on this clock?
4:09
